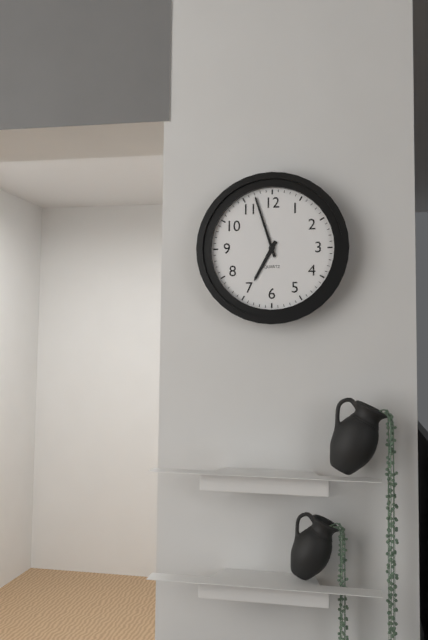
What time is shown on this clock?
6:57
